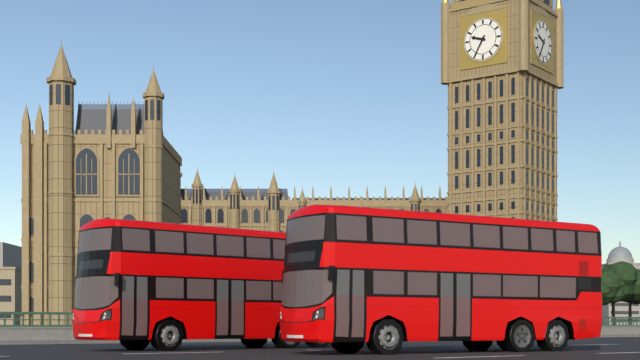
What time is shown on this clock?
9:35
